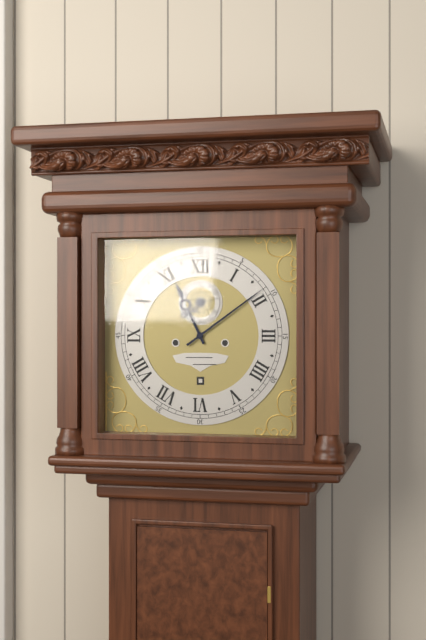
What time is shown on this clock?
11:09
